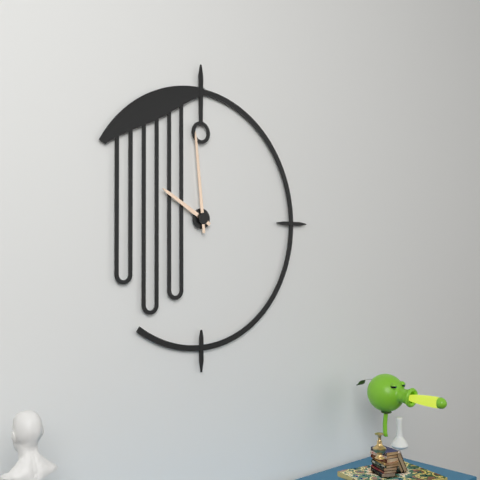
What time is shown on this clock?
9:59
